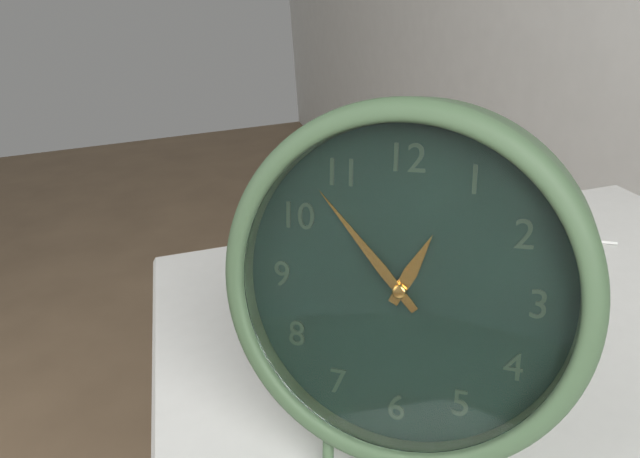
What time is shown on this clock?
12:53
